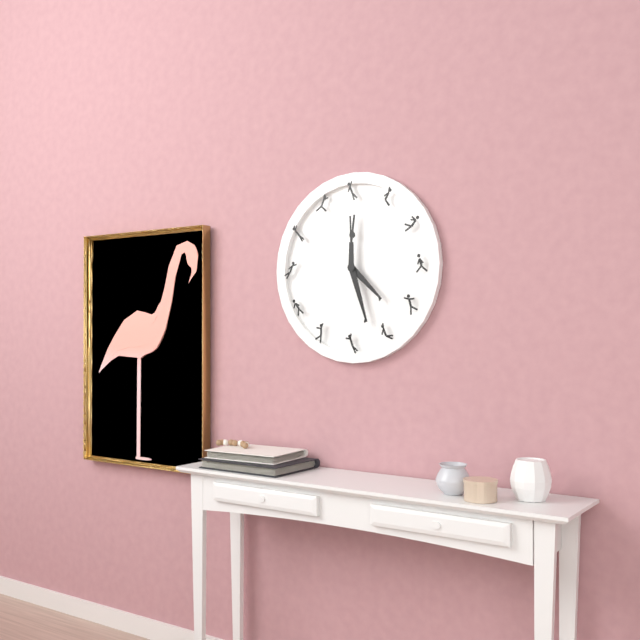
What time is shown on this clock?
4:27
